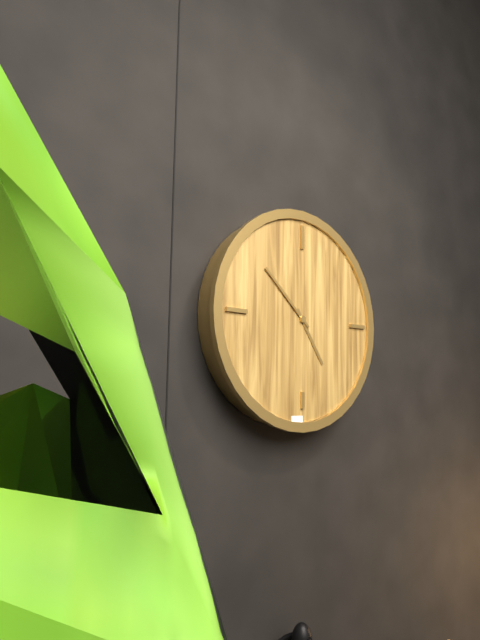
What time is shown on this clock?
4:52
